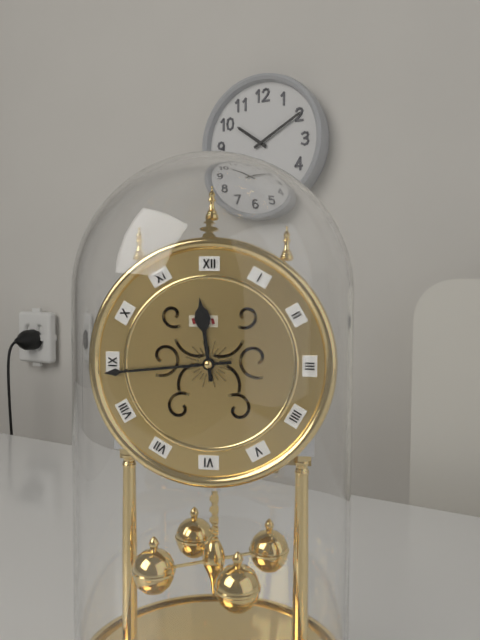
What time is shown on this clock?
11:44
